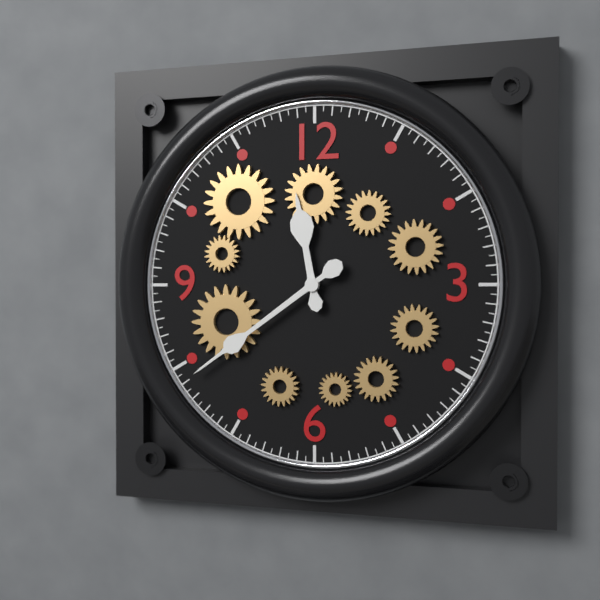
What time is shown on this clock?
11:39
